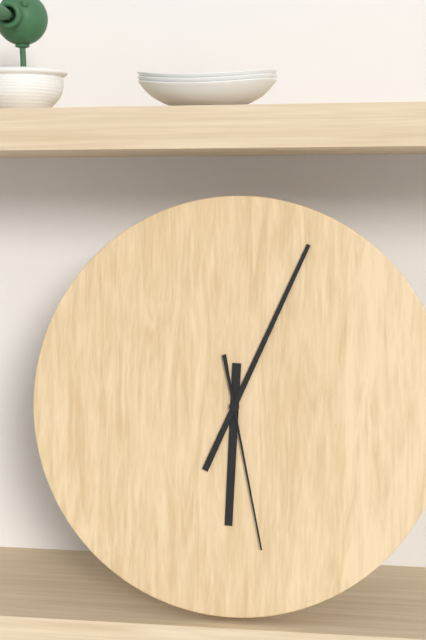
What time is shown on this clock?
6:04:28
